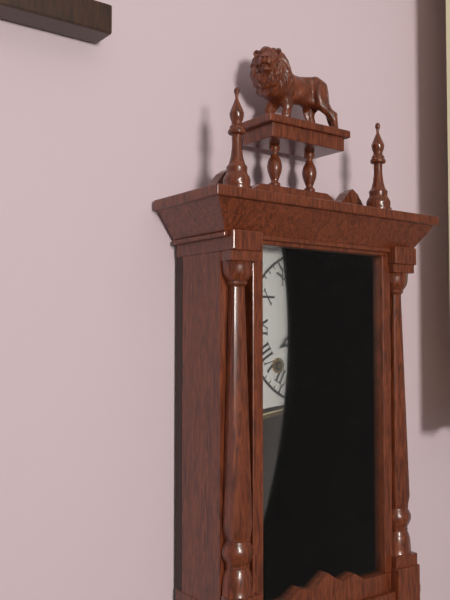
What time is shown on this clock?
8:02
